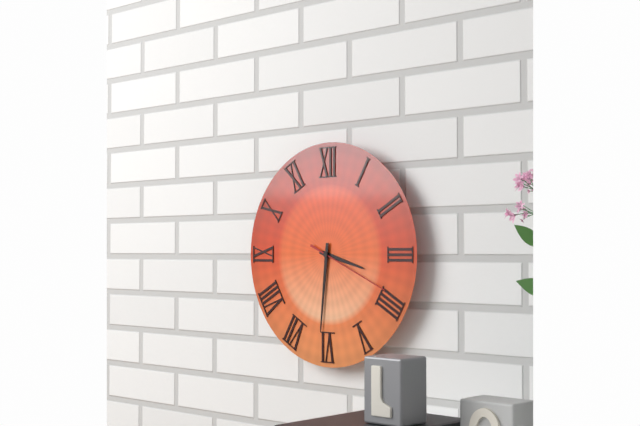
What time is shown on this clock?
3:31:19
